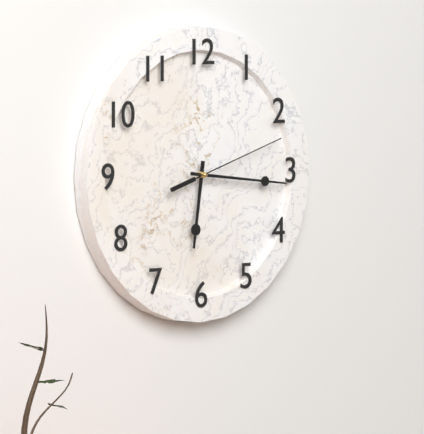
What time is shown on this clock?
6:16:12
